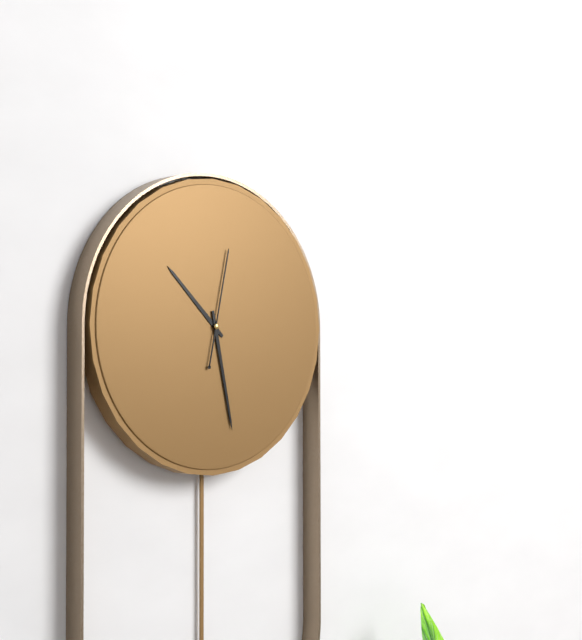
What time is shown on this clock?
10:28:02
